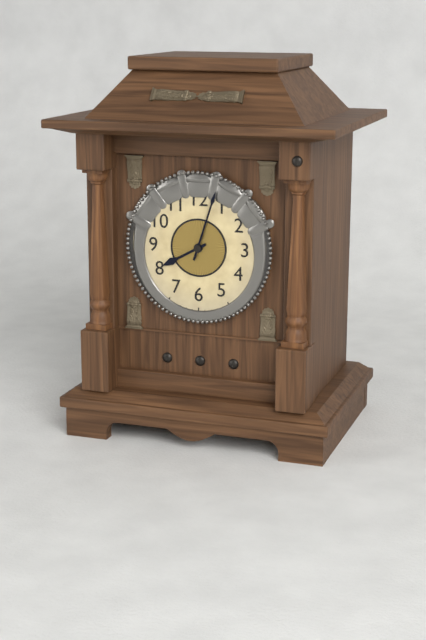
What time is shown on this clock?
8:03
